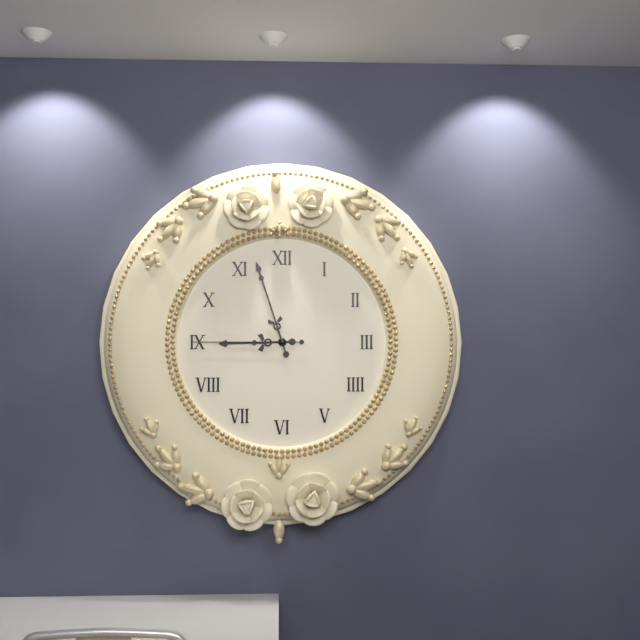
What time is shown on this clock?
8:57:45
